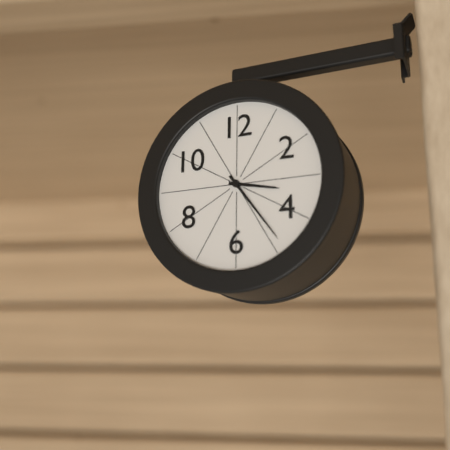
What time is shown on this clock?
3:24
